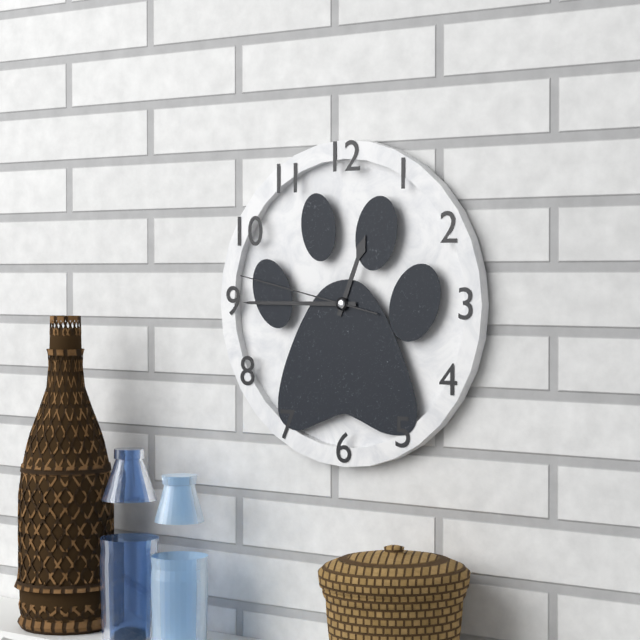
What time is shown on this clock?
12:45:47
